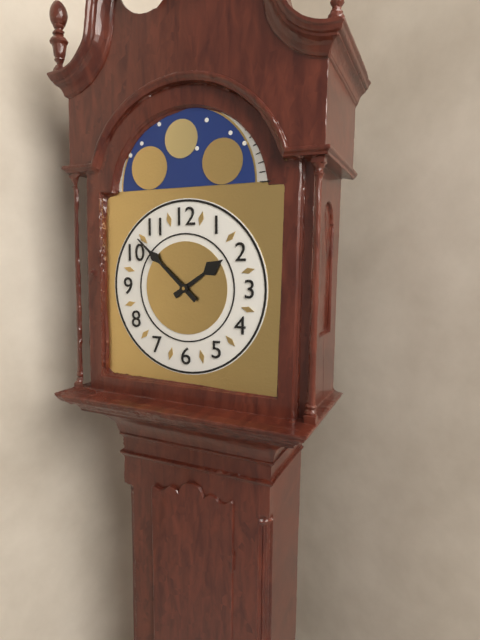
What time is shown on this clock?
1:52
